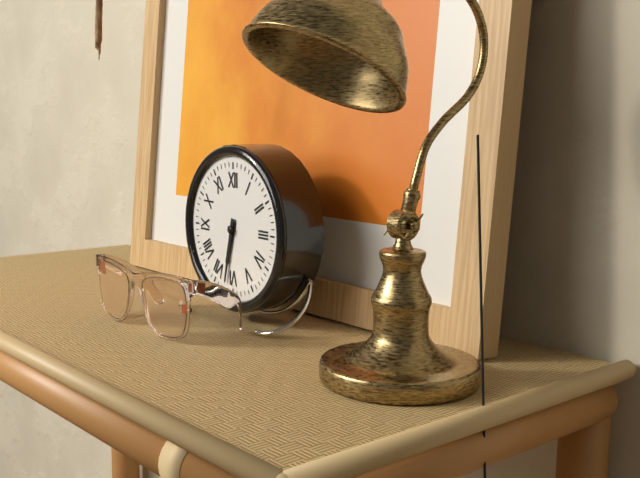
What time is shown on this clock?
6:32
